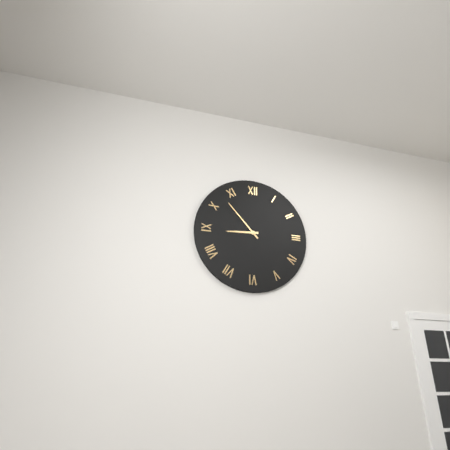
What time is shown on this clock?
8:53
